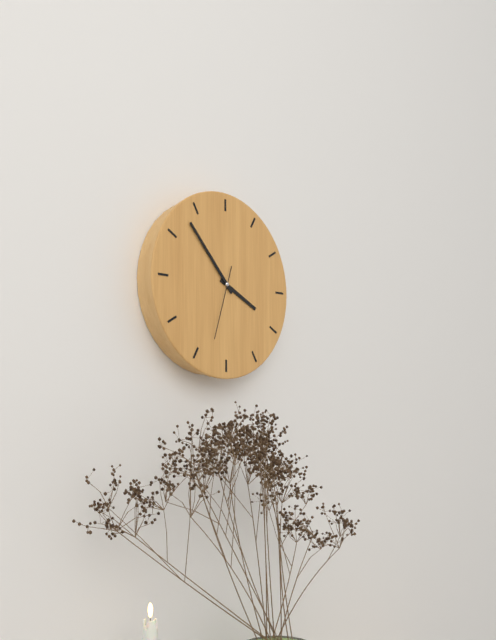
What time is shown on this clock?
3:53:33
